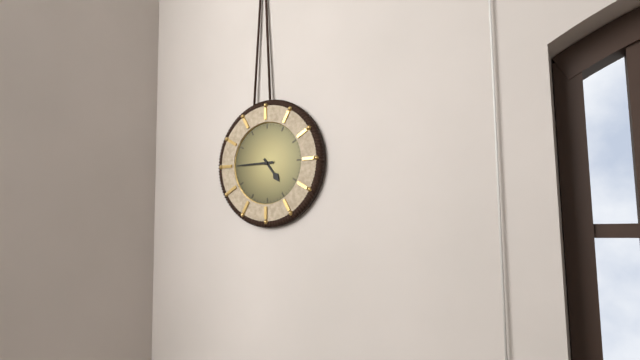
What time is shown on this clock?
4:45
